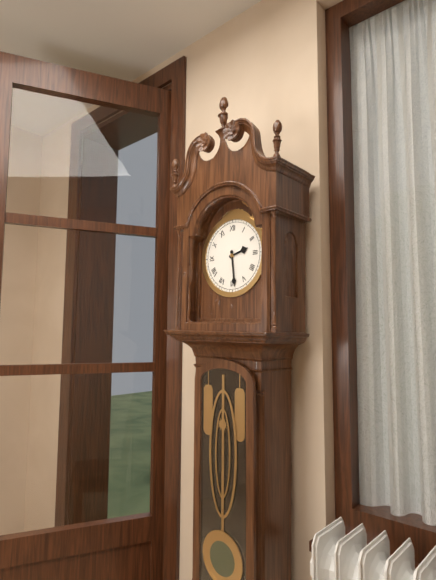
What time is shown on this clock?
2:29
